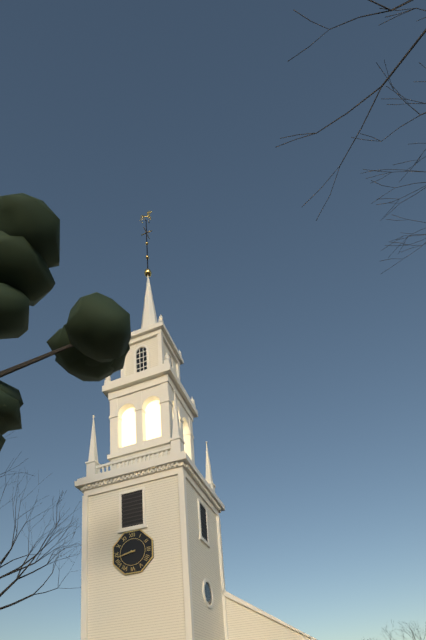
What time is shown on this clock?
8:43
